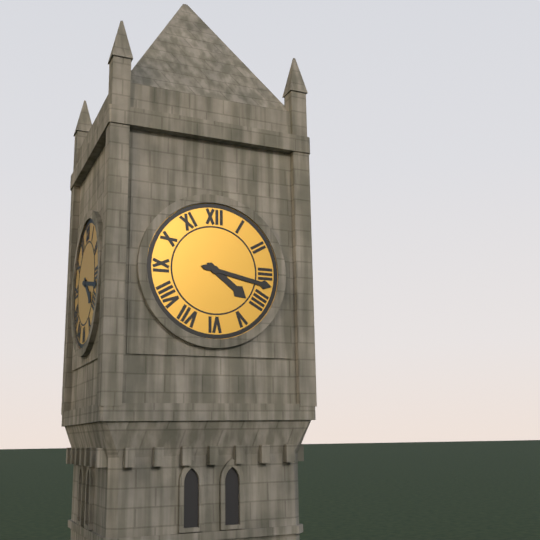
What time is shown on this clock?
4:17
